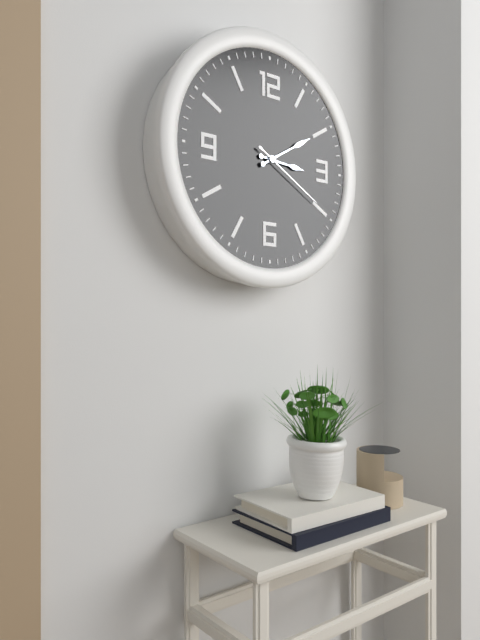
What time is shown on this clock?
3:10:20
